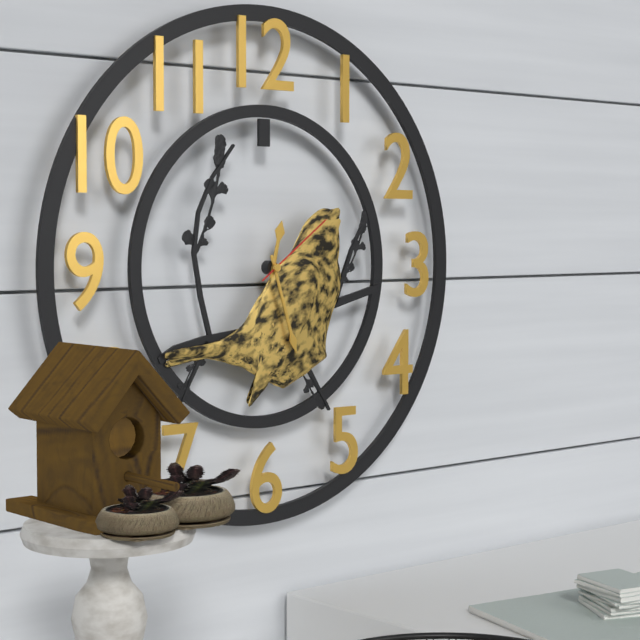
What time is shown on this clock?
12:27:09
